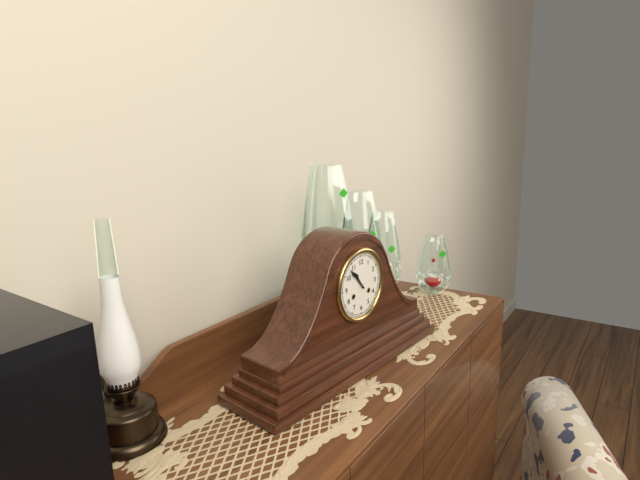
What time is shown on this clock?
10:53
